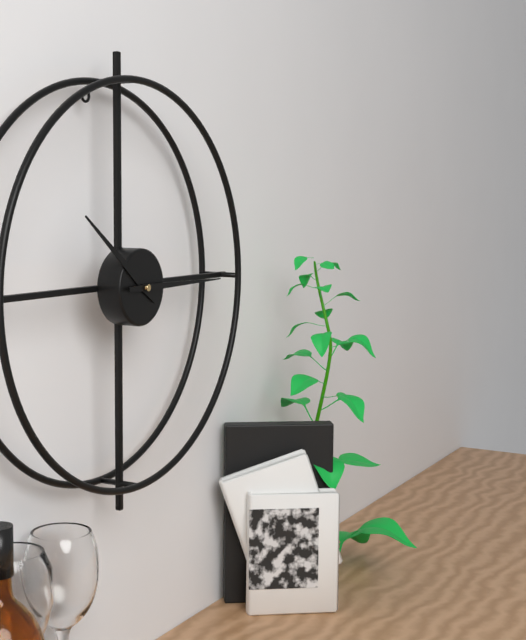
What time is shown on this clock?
10:15
